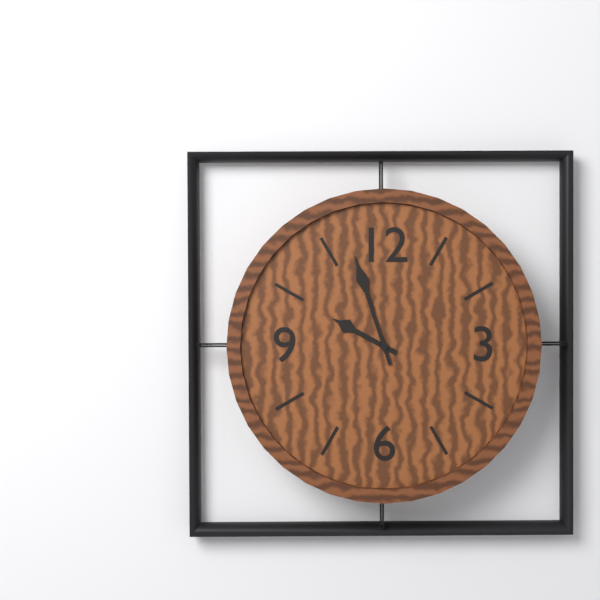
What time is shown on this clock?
9:57
